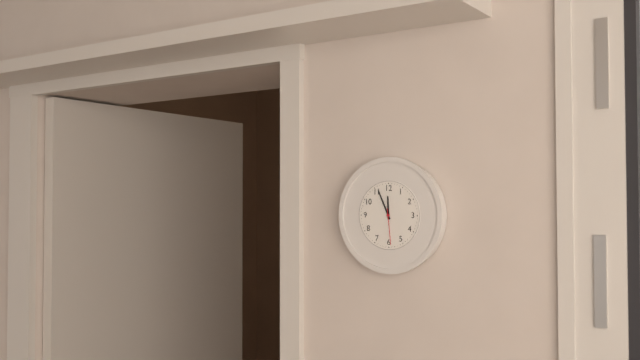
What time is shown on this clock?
11:56
